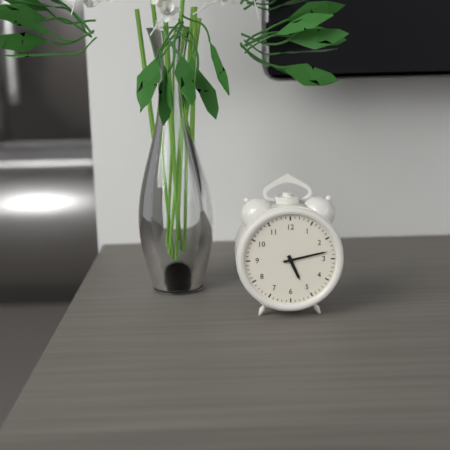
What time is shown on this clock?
5:13
